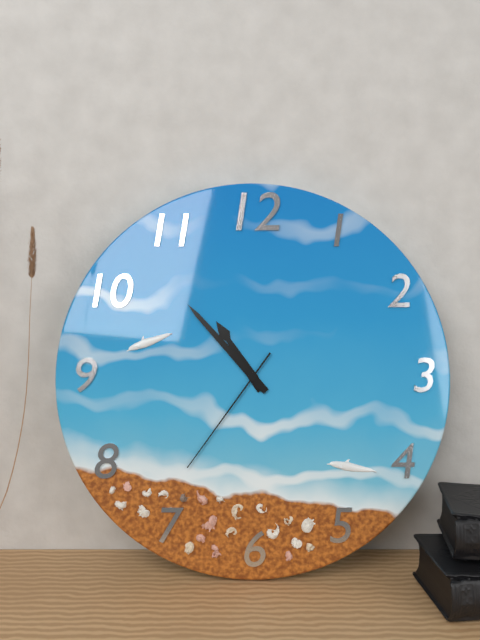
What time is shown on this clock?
10:53:36
